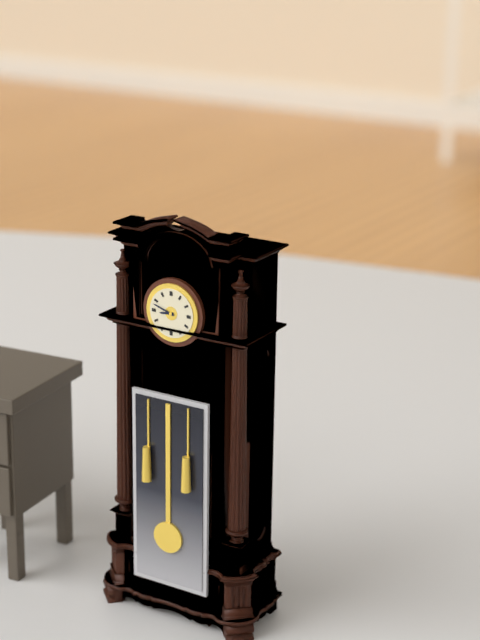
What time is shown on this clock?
8:48
